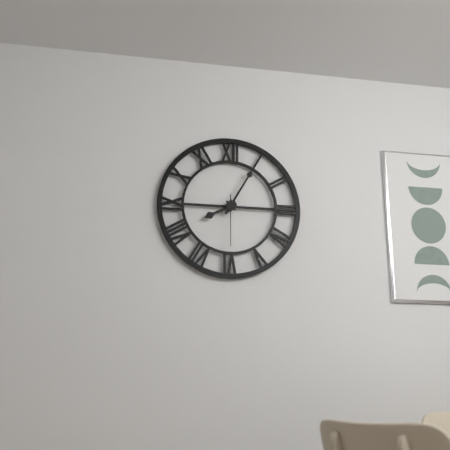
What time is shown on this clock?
8:05
